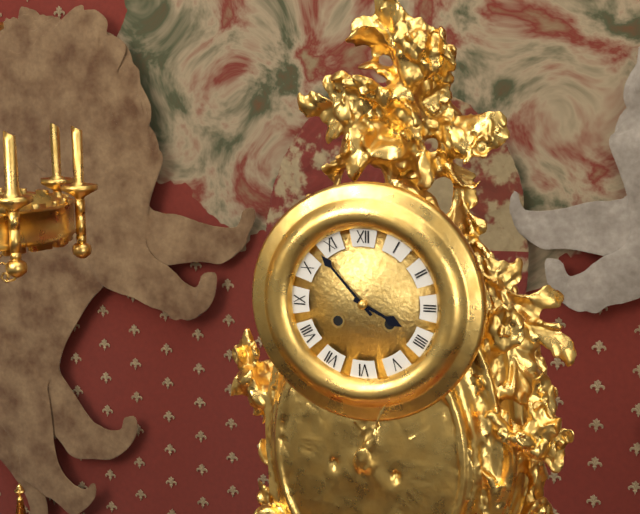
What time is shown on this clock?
3:53
